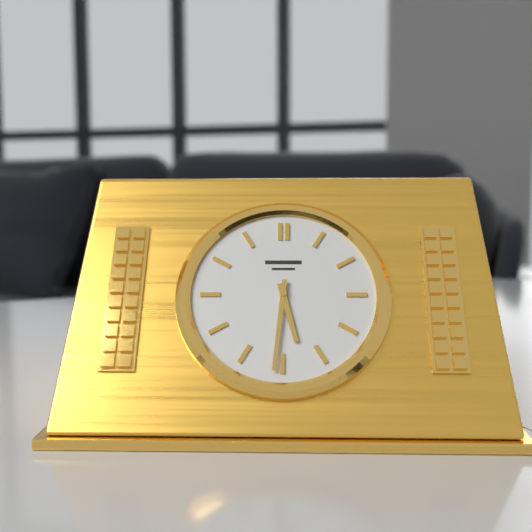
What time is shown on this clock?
5:31
